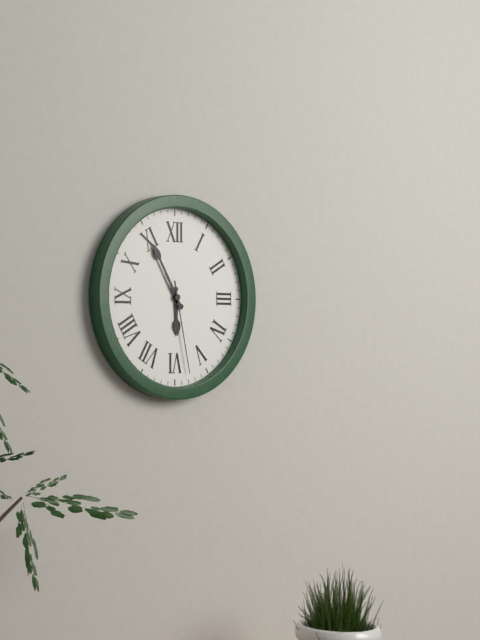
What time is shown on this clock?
5:55:28
